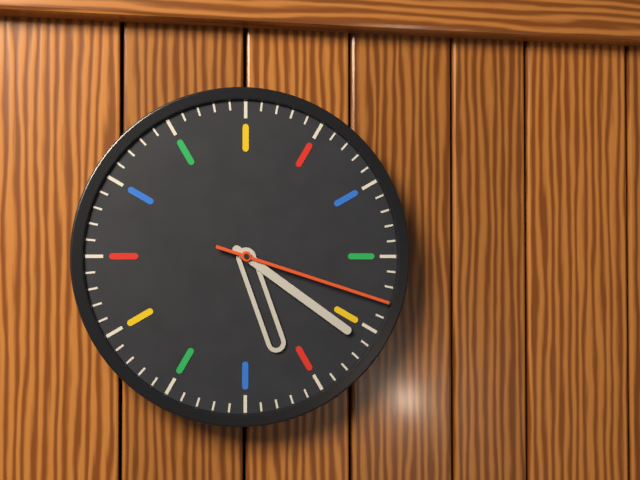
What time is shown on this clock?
5:21:18
